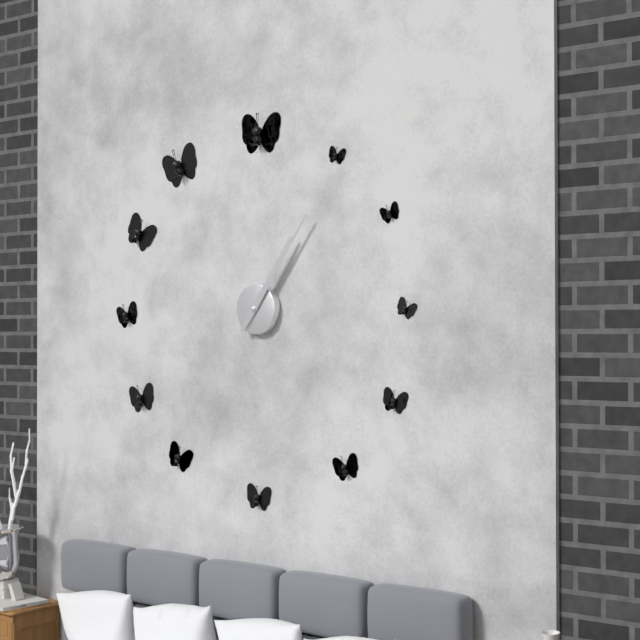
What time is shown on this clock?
1:06
